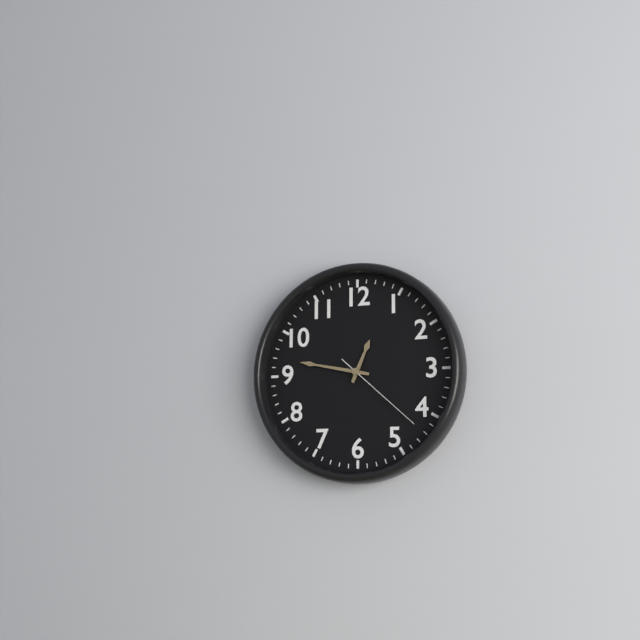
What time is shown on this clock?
12:47:22
